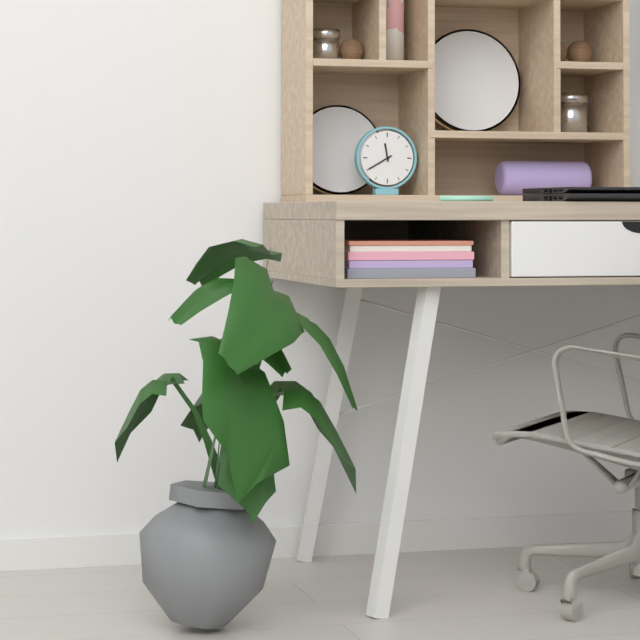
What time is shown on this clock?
11:40
